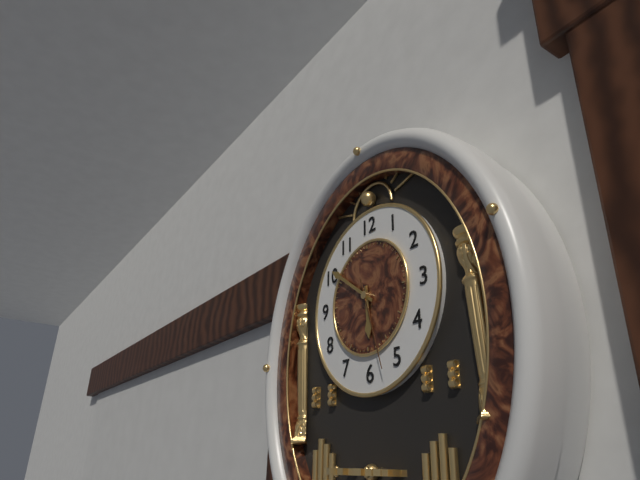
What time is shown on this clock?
5:51:27
